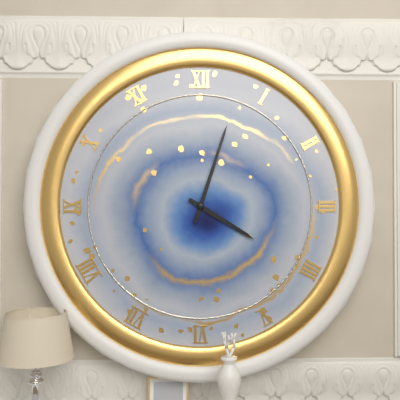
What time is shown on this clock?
4:03
